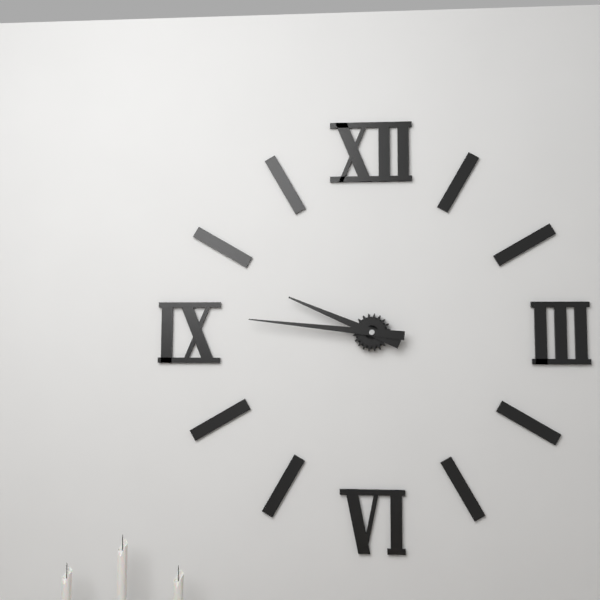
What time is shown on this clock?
9:46
